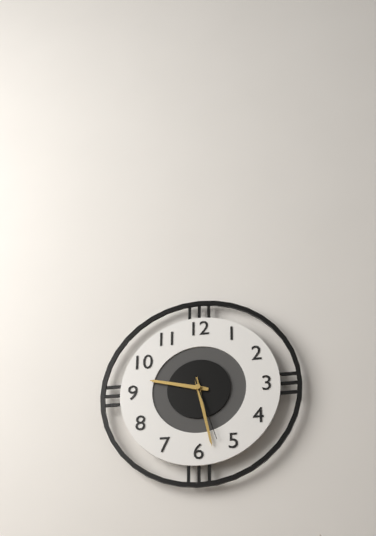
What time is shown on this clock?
9:28:27
